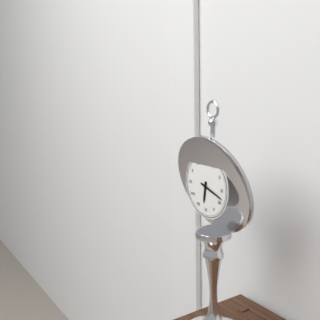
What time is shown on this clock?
6:18
